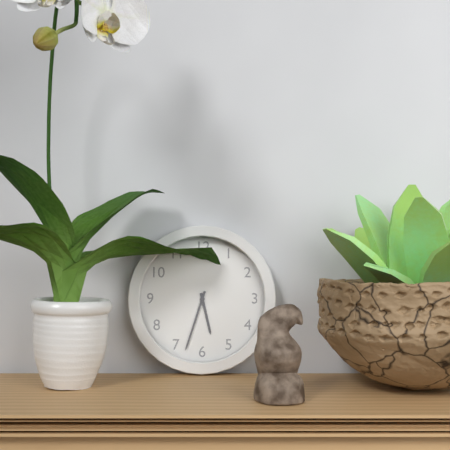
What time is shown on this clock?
5:33
